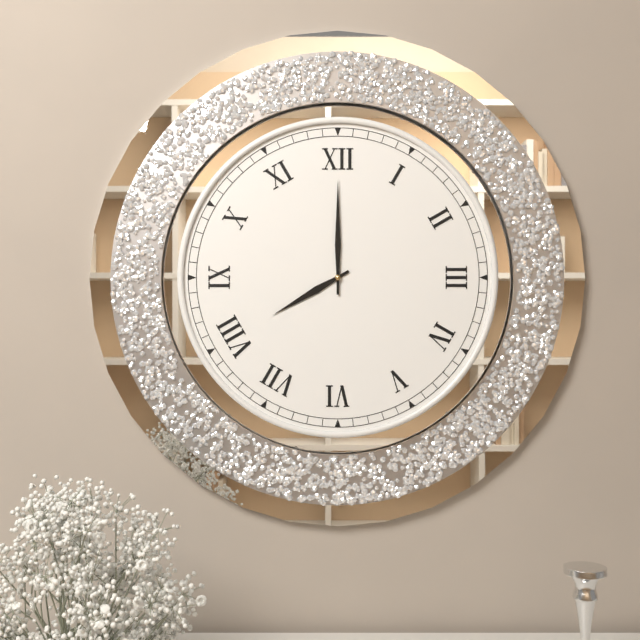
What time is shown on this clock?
8:00
